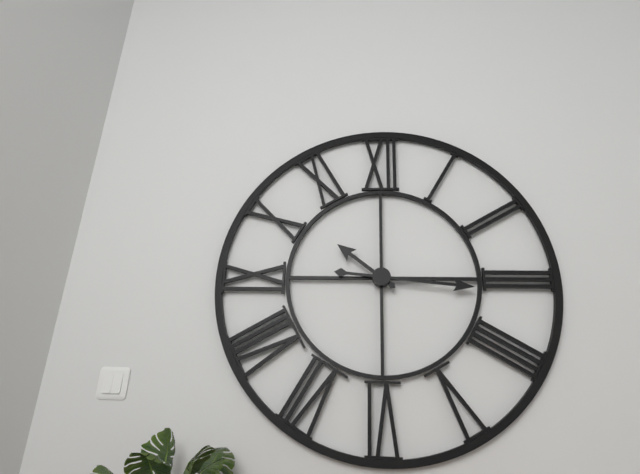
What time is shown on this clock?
10:16
